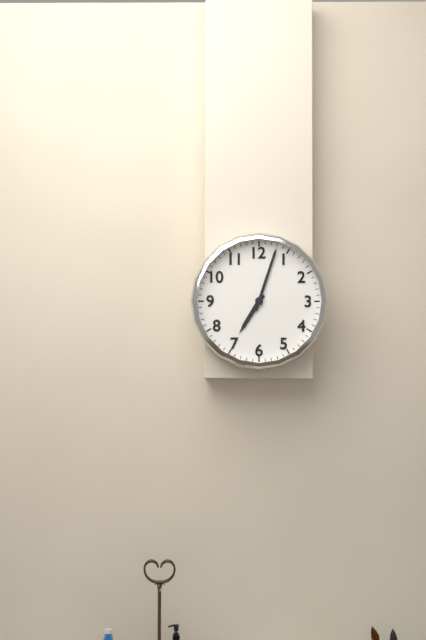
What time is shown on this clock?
7:03
